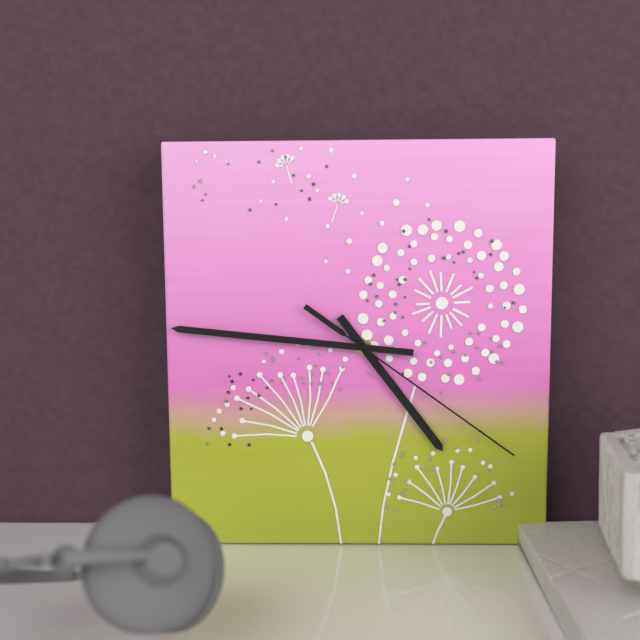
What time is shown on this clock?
4:46:21
